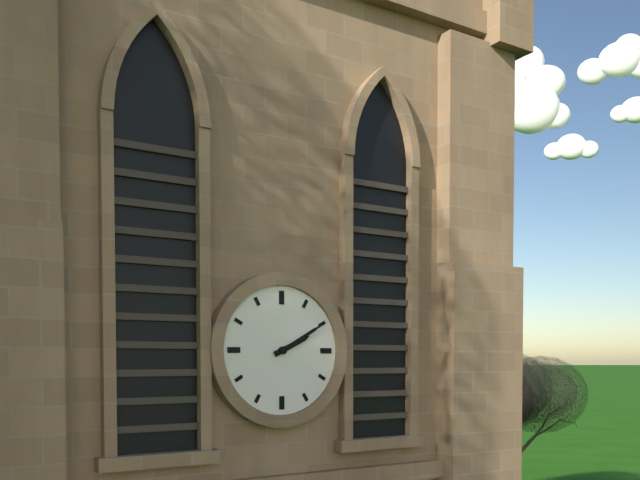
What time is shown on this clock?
2:10
